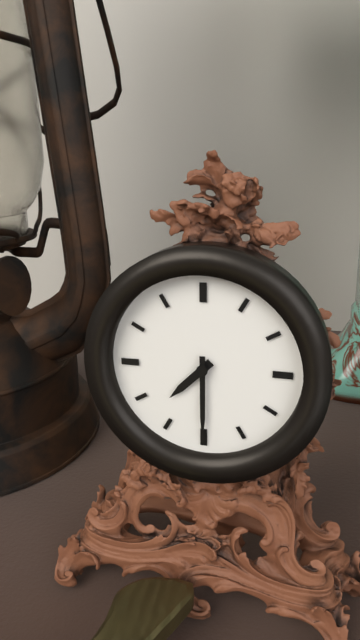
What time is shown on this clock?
7:30
